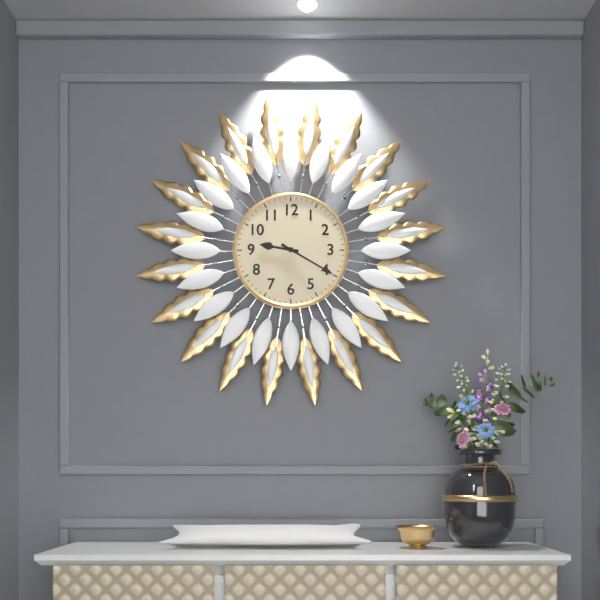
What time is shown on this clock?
9:20
